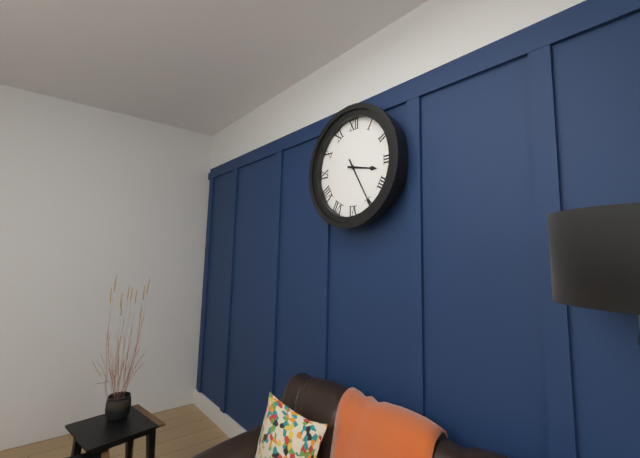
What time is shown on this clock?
3:25
